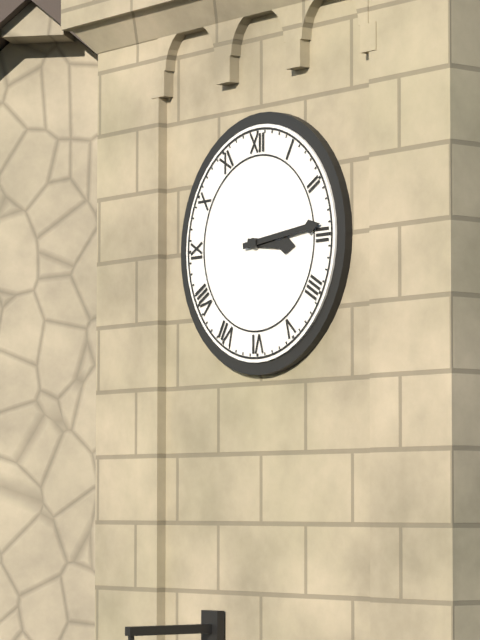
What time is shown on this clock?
3:14
